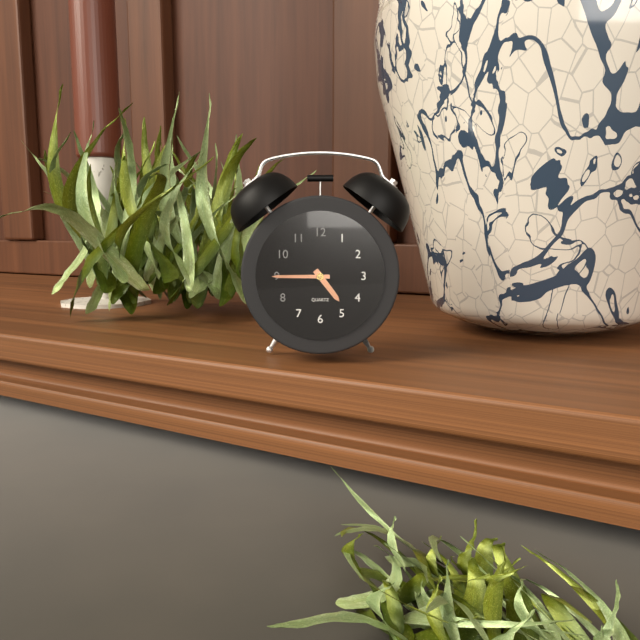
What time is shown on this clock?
4:45
